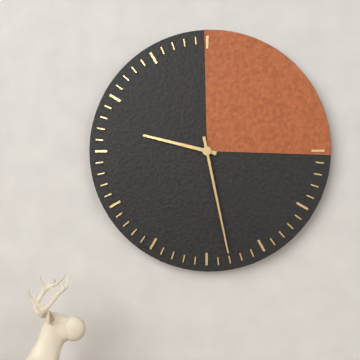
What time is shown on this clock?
9:28
